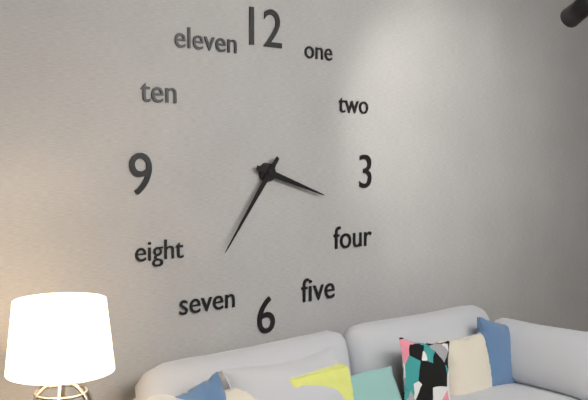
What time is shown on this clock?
3:36
